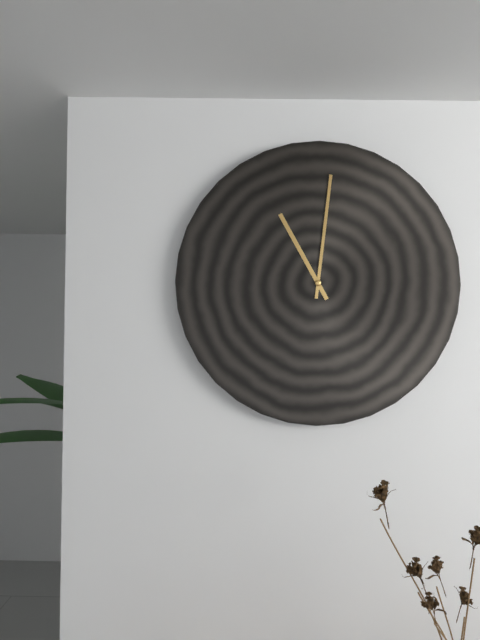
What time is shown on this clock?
11:01
